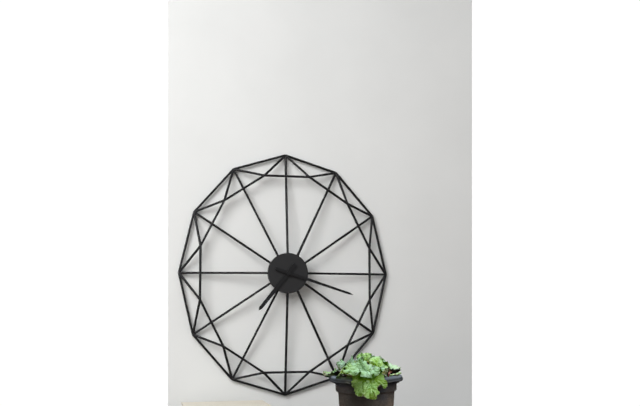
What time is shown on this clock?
7:18
